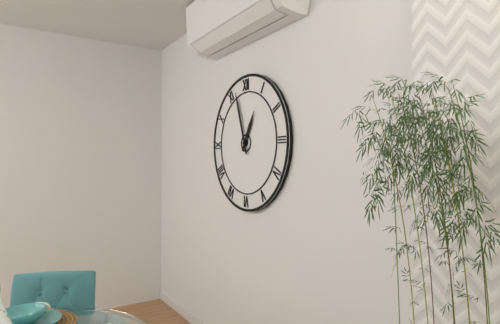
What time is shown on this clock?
12:57
